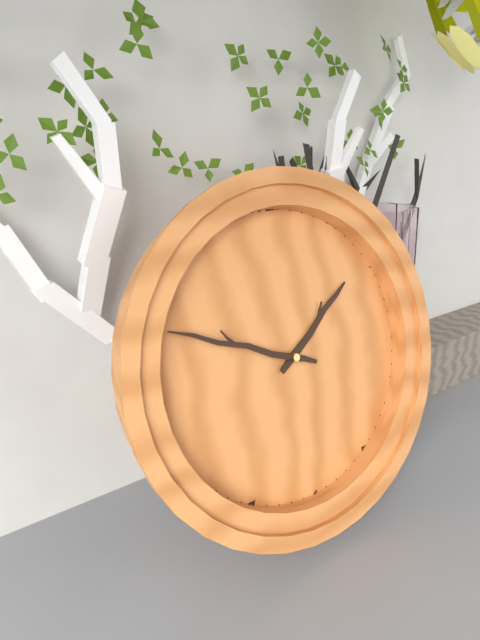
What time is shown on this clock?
1:49
